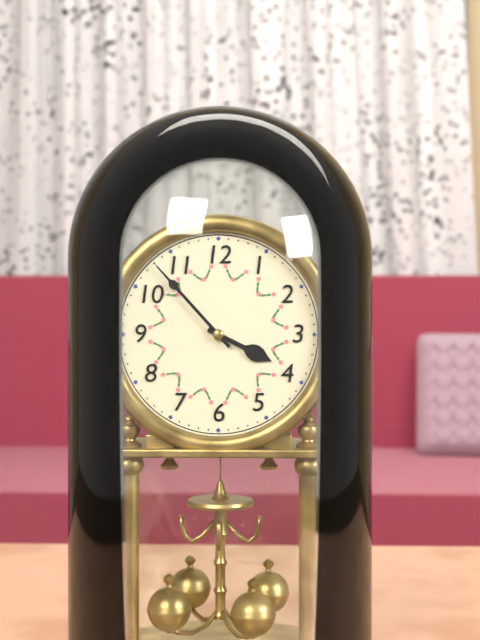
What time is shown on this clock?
3:53
